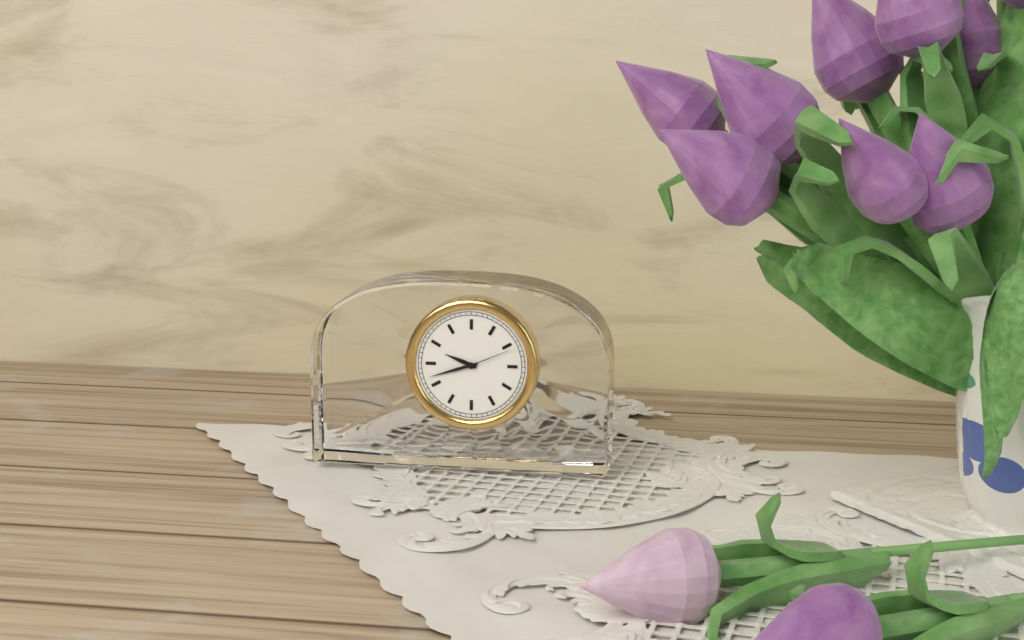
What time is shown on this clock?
9:42:11
